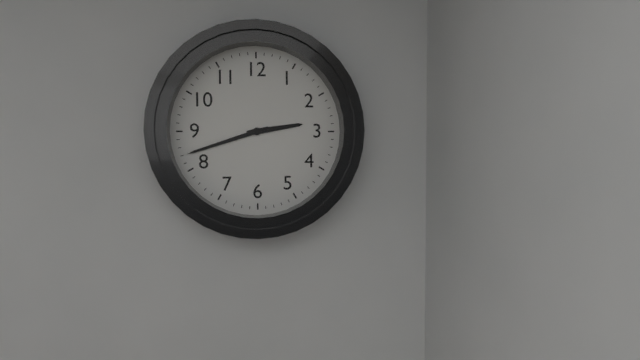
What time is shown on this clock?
2:42
